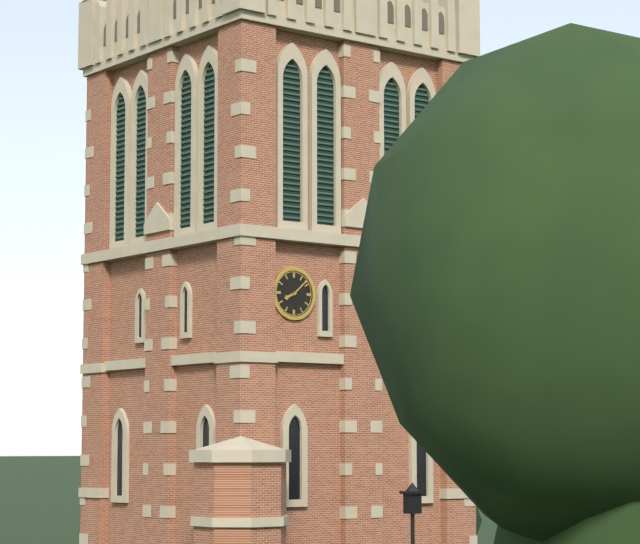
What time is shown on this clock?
8:08
